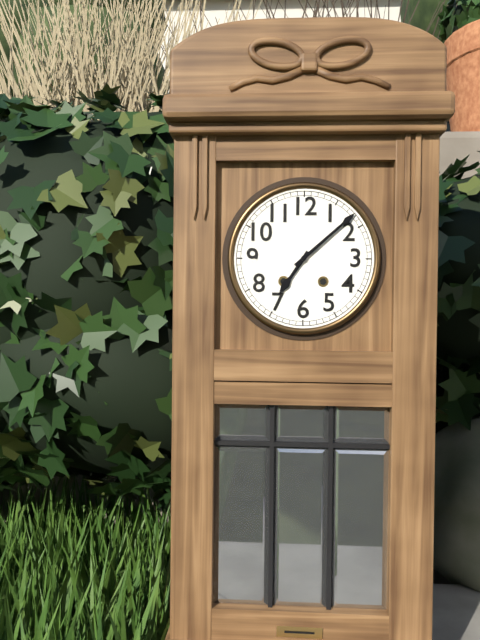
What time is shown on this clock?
7:08
